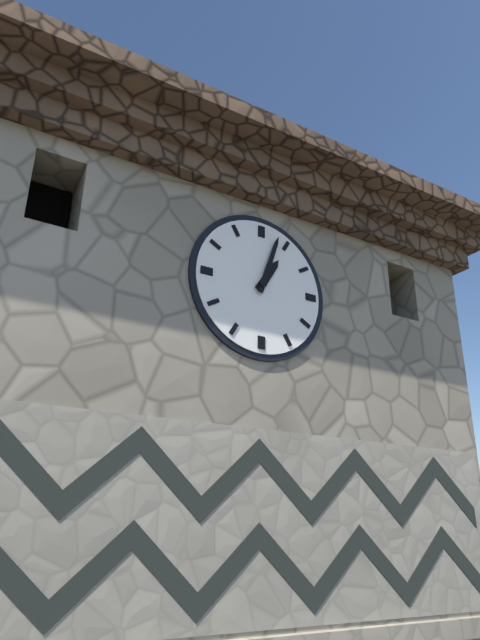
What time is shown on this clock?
1:03
